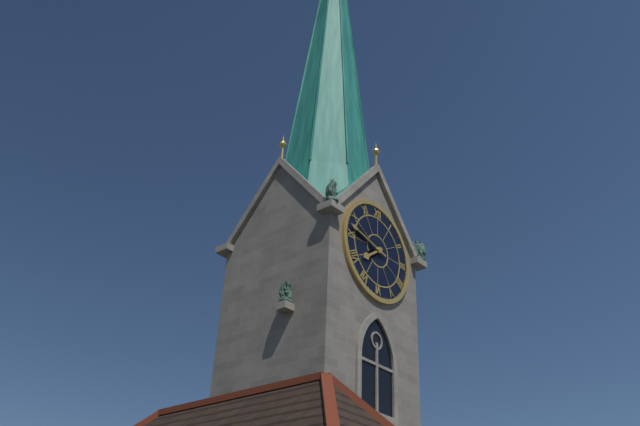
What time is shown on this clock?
7:47
